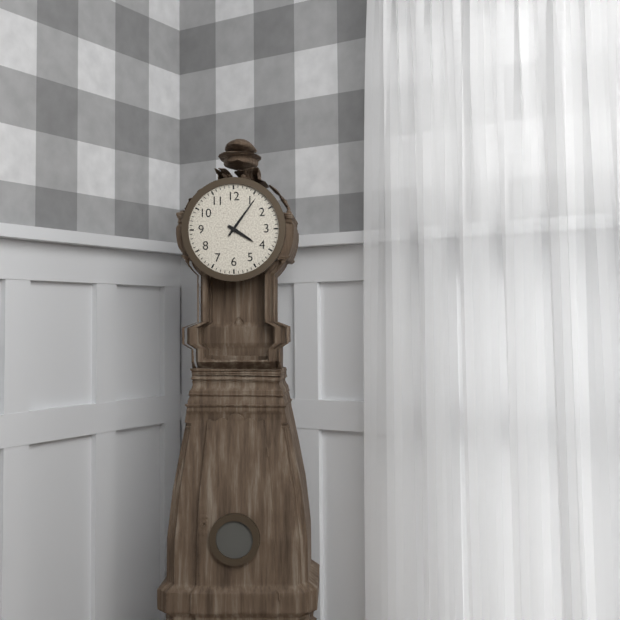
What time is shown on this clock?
4:06
